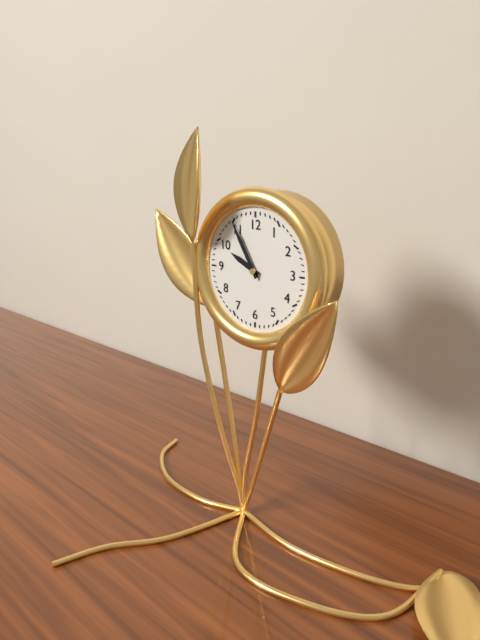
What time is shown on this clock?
9:55
